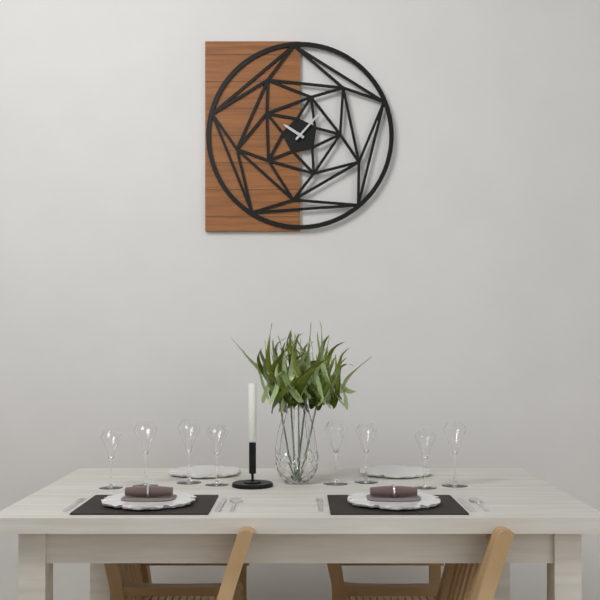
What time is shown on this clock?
10:07
